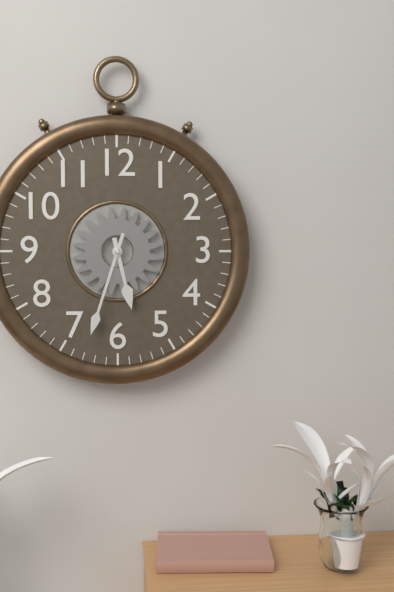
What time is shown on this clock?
5:33
